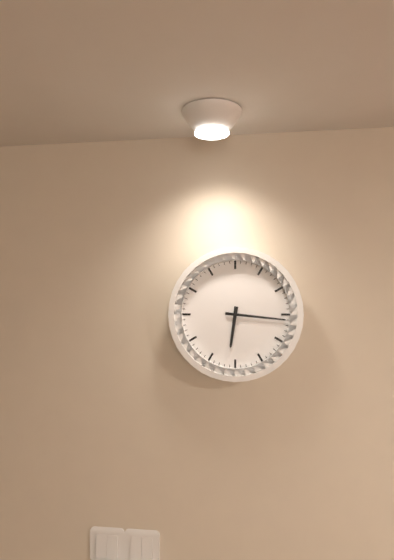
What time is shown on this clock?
6:16
